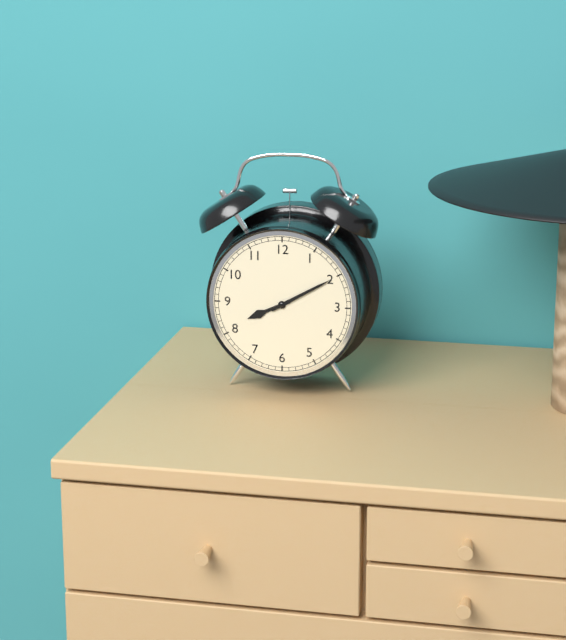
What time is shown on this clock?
8:10
